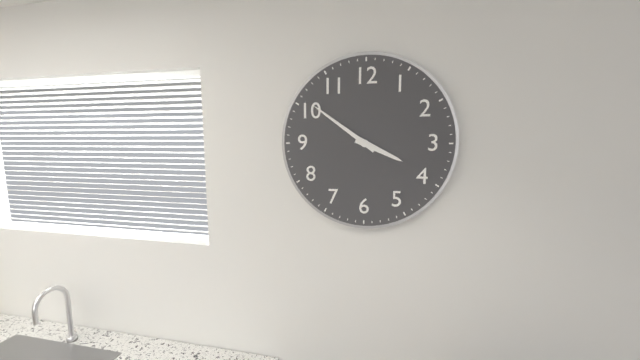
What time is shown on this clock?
3:51
